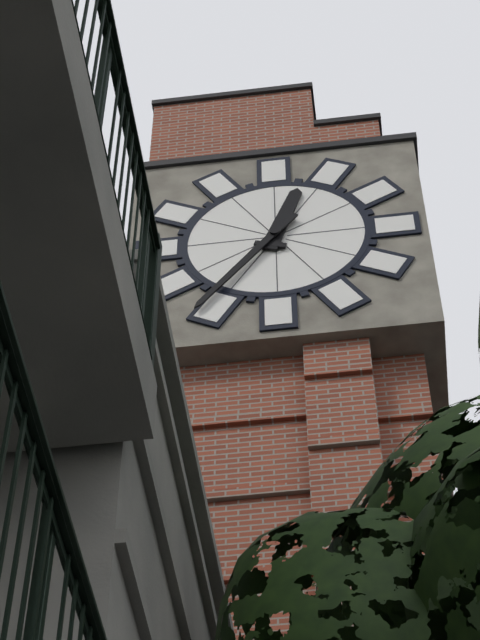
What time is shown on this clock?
12:36
